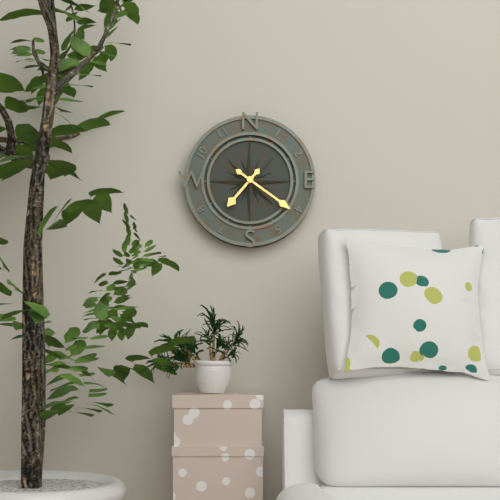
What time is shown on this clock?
7:21
